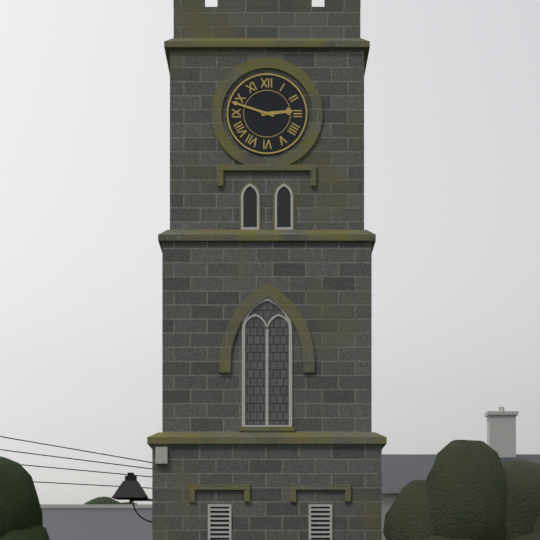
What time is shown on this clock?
2:48
